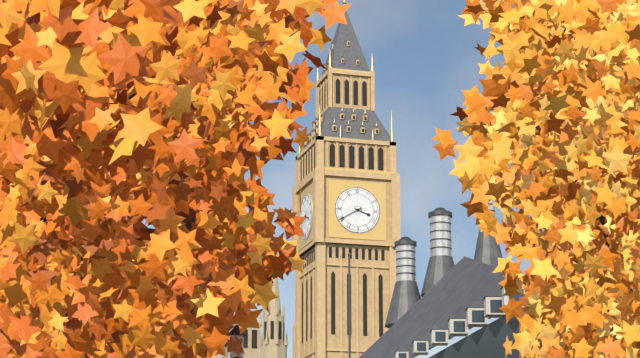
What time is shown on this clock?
3:40
